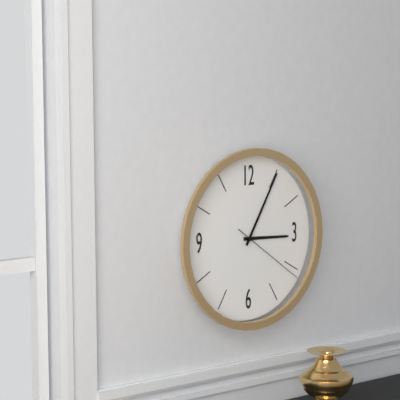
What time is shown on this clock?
3:05:21
